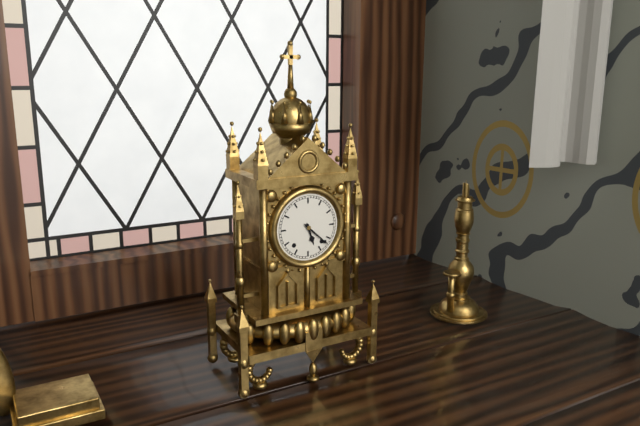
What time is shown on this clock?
5:22
